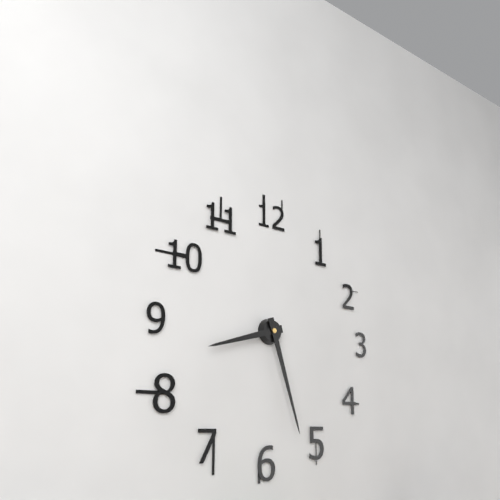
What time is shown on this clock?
8:27
